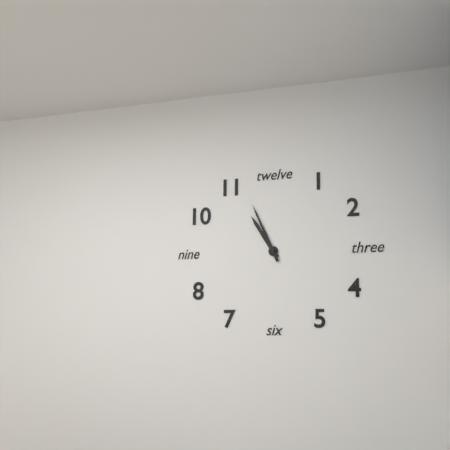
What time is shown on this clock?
10:56
